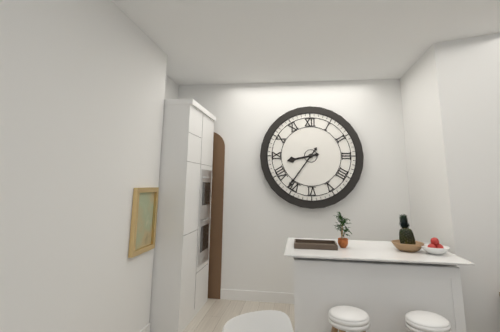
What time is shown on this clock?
8:36
